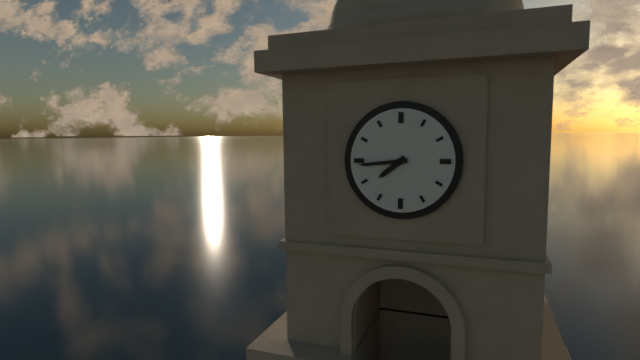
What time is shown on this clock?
7:44
